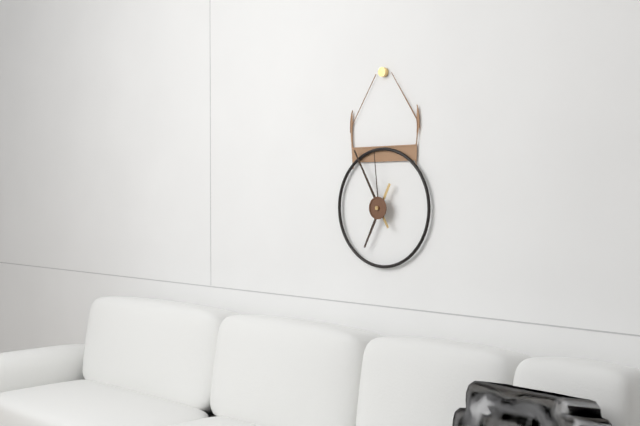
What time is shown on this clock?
6:55:59
